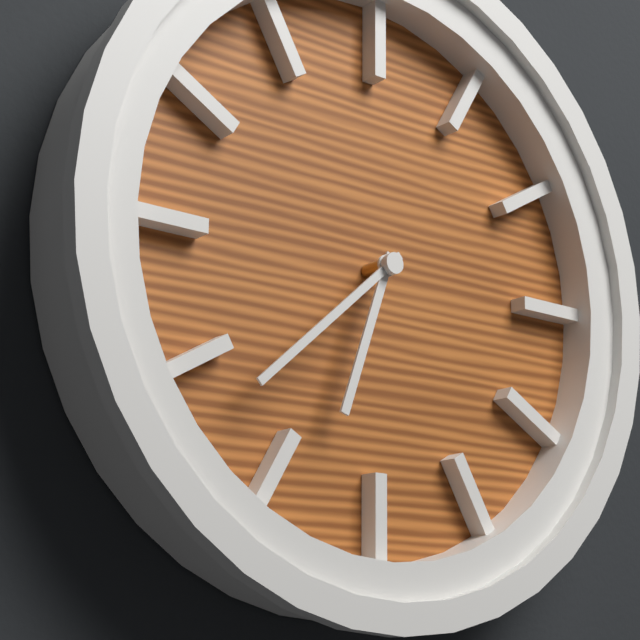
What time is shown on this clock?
6:38
